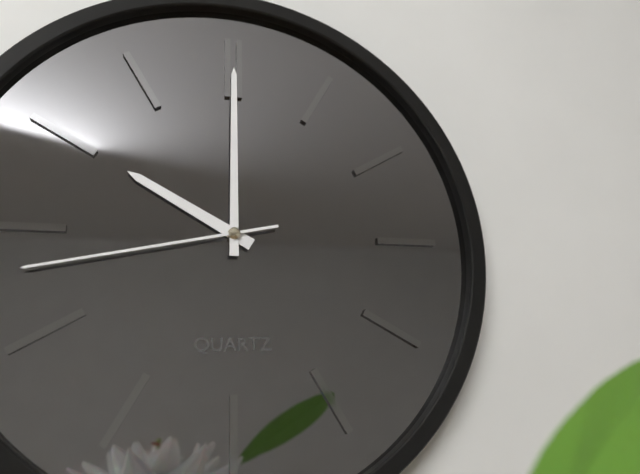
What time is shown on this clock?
10:00:43
